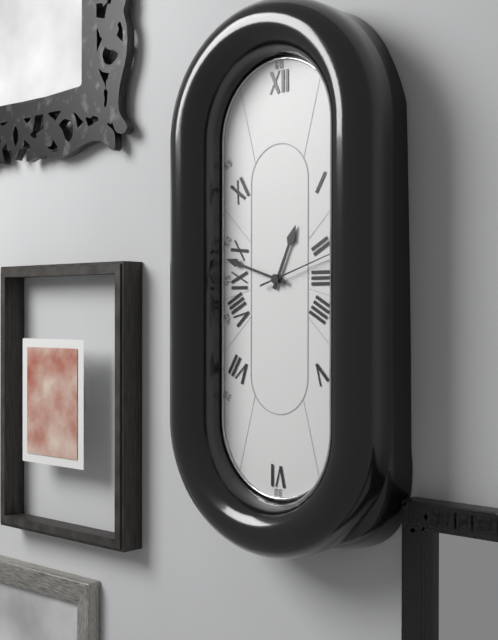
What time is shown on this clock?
12:48:12
